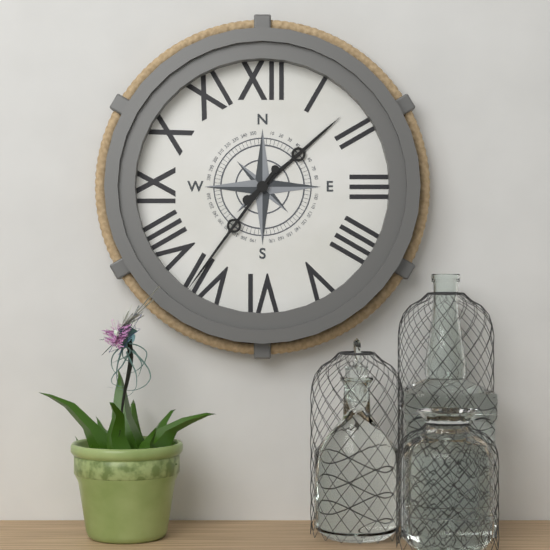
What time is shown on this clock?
1:36
